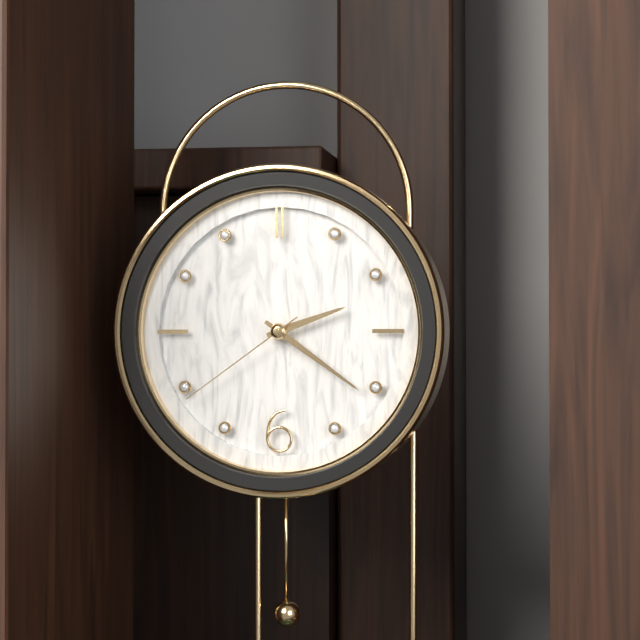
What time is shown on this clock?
2:21:39
